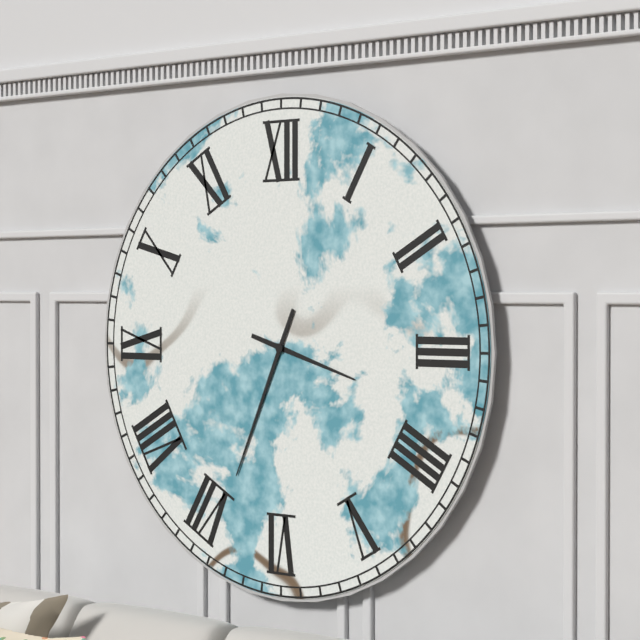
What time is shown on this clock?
3:34
